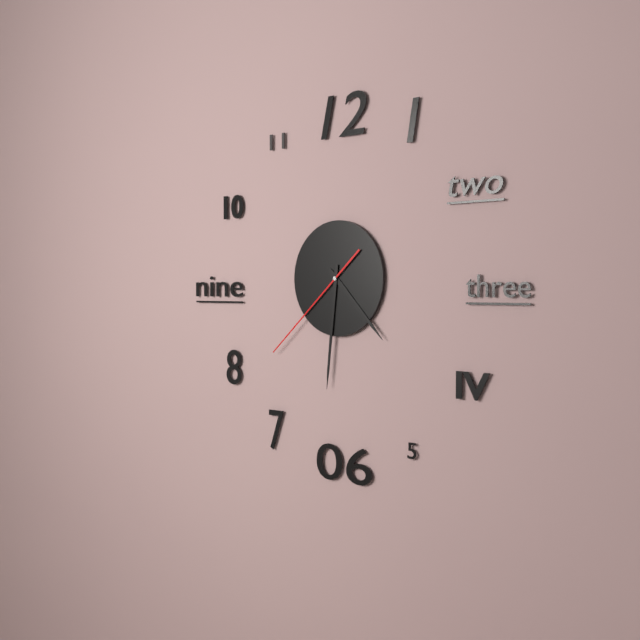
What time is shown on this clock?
4:31:38
